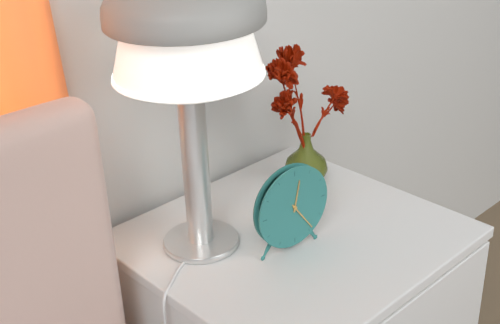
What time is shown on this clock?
12:24
